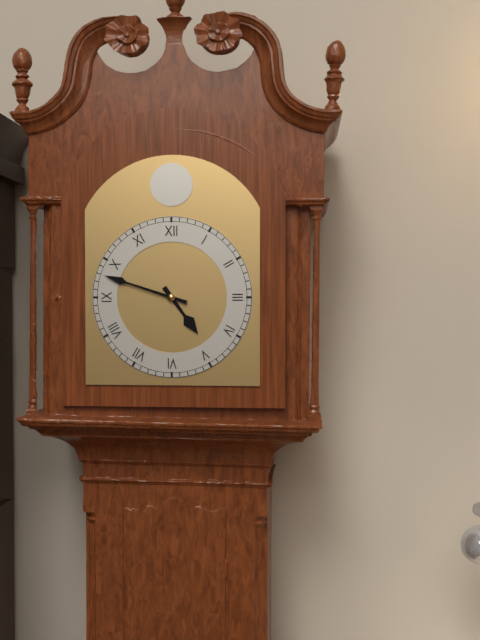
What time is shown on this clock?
4:48
